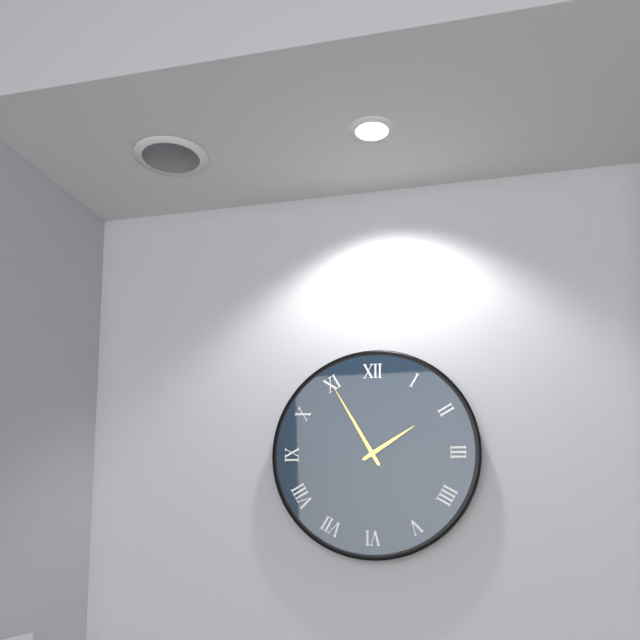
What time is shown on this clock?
1:55
